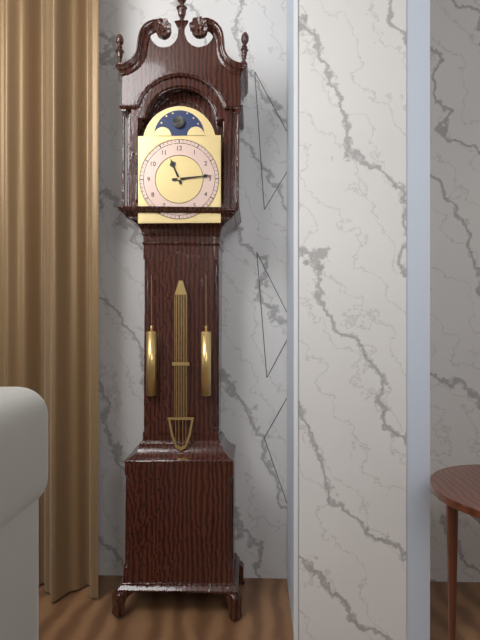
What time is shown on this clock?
11:14
